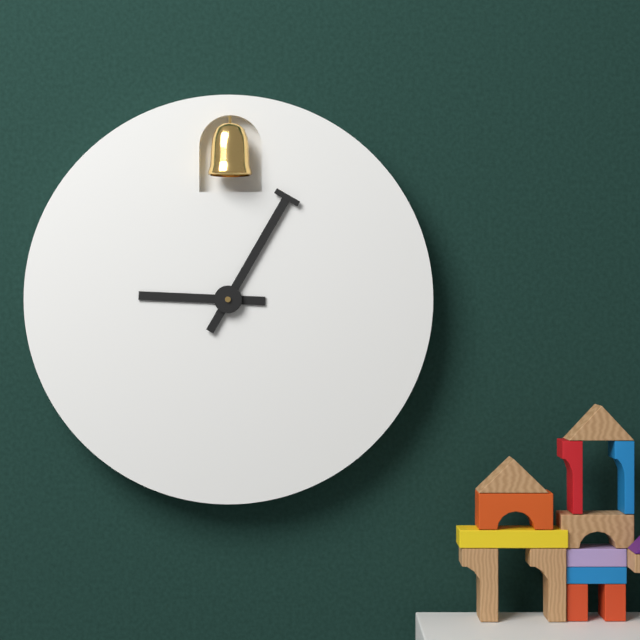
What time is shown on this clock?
9:05
